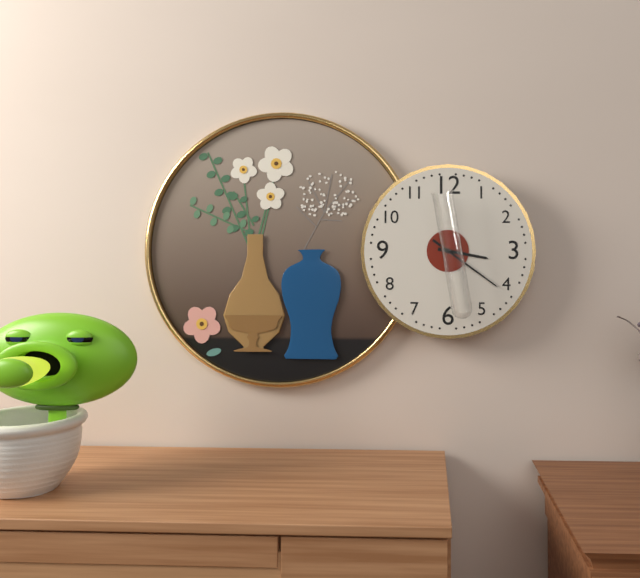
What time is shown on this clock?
3:21
